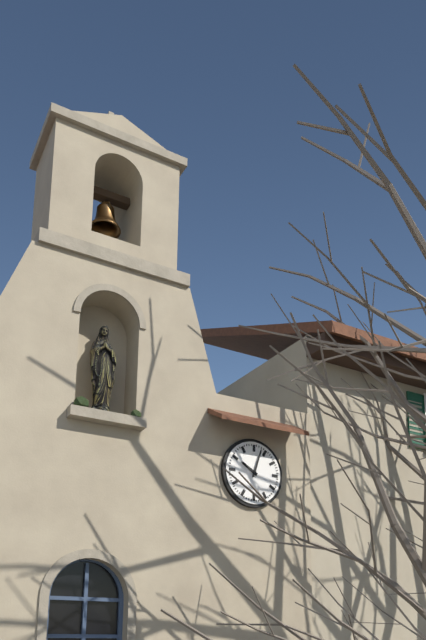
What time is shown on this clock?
10:03
